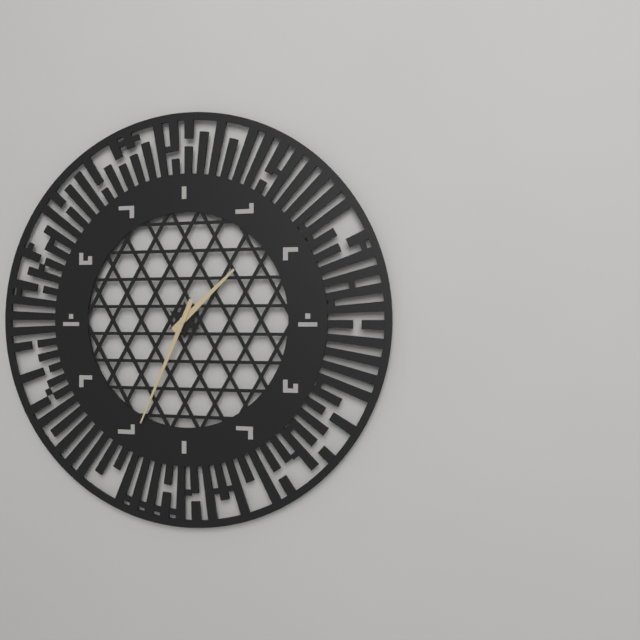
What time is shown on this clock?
1:34
